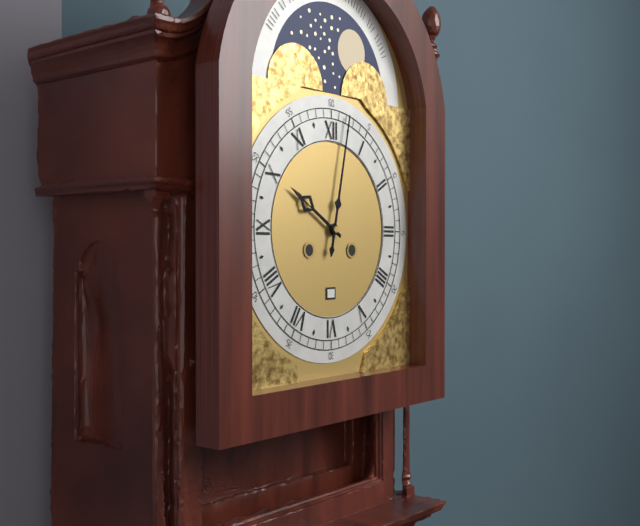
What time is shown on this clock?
10:02
